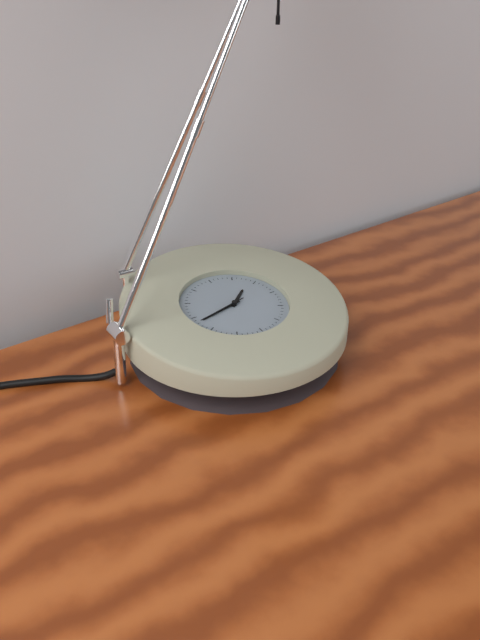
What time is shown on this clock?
1:43
